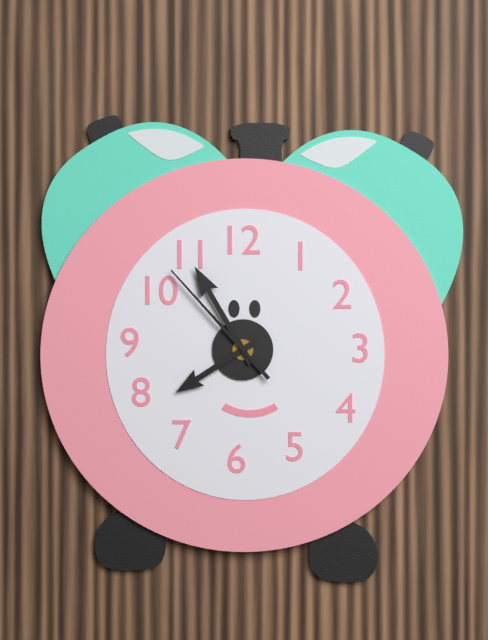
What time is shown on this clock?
7:55:53
